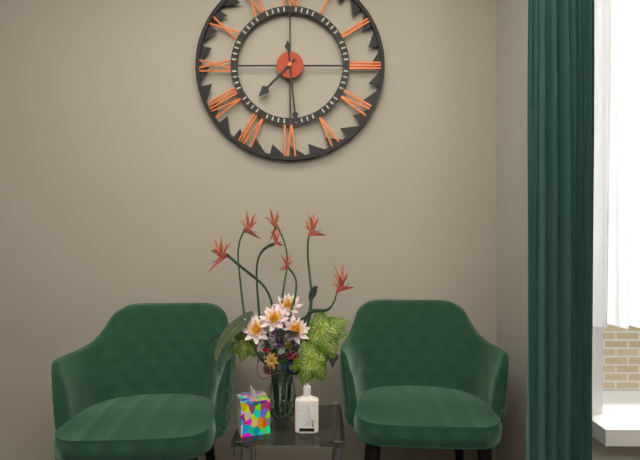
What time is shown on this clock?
7:29
